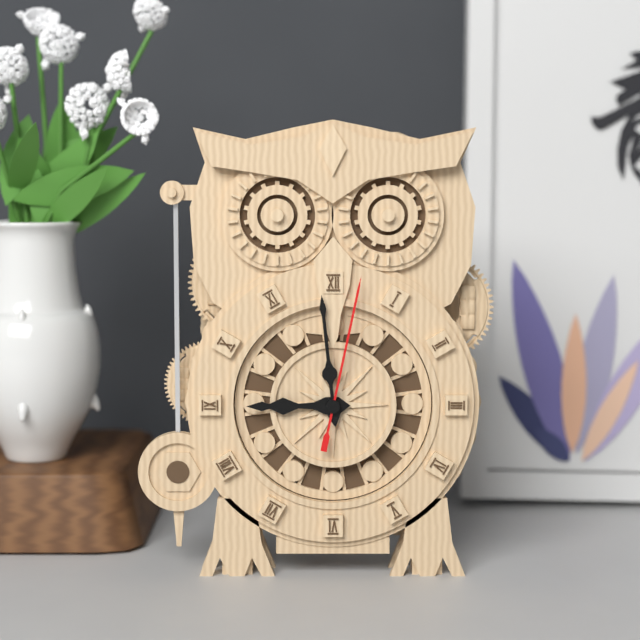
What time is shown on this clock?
8:59:02
